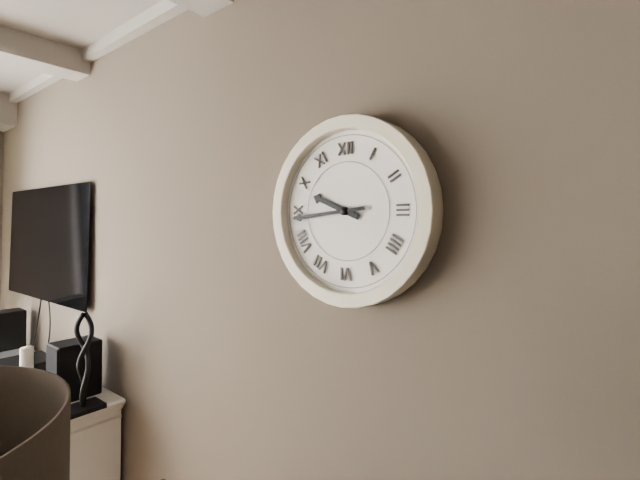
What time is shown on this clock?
9:44
